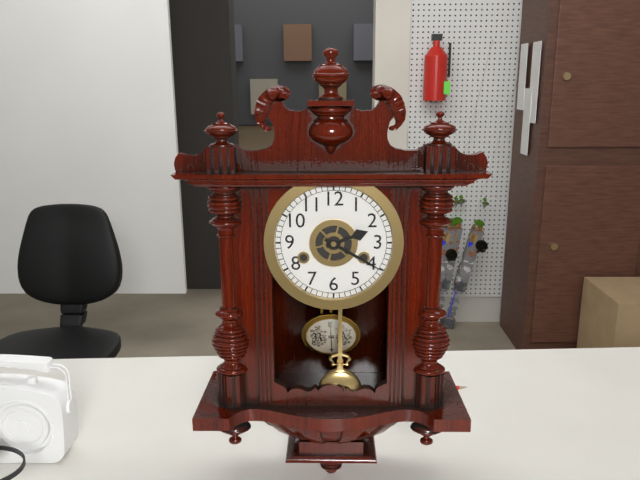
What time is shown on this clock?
2:20
